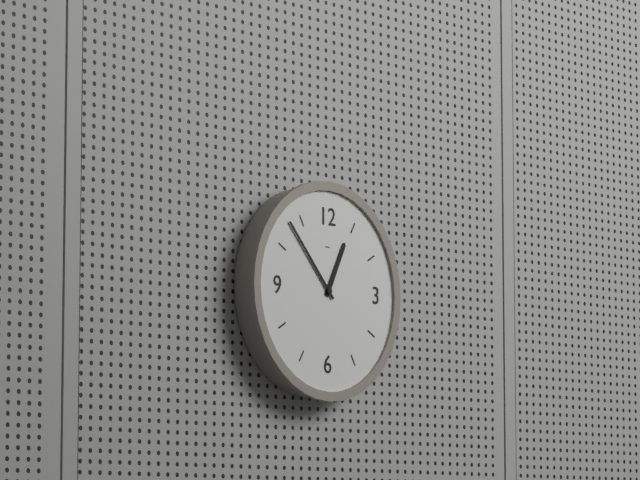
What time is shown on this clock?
12:53
